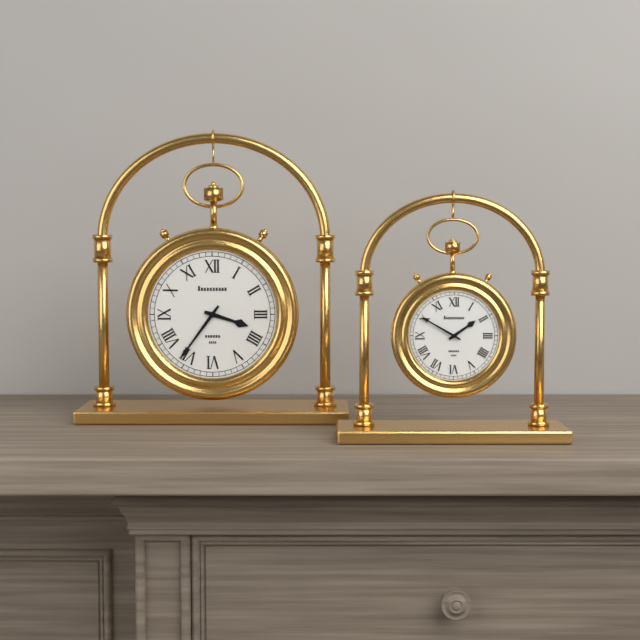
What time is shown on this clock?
3:36
